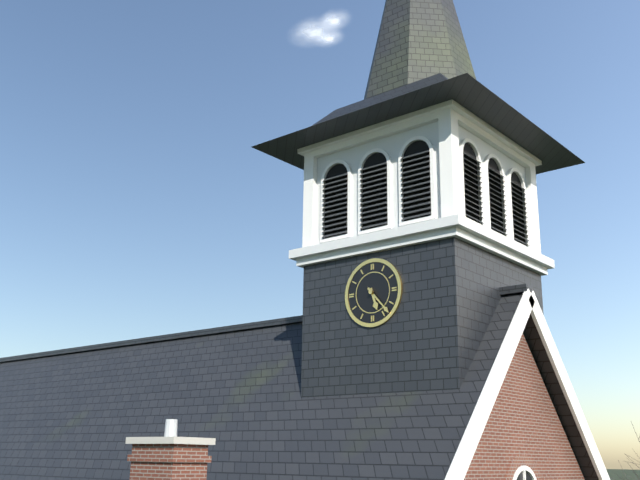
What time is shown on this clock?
5:23
